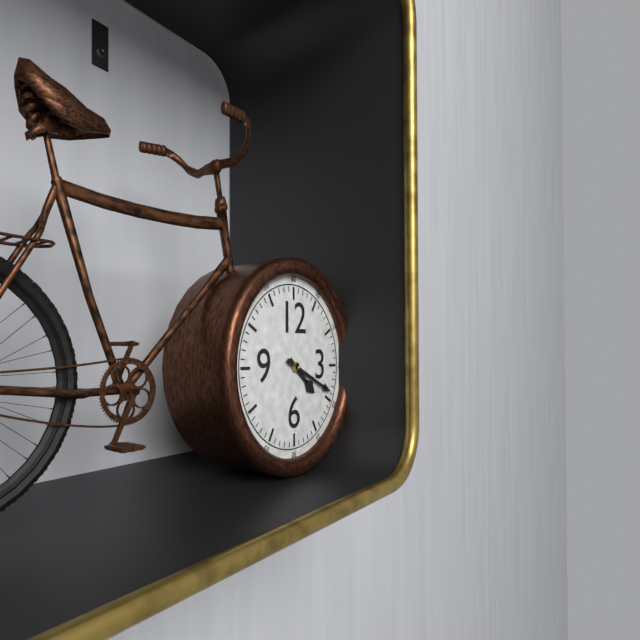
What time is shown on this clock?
4:19
